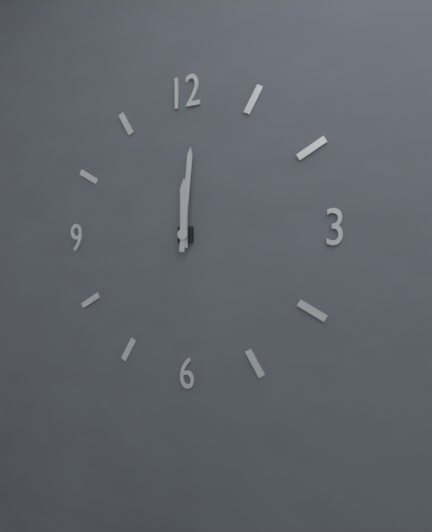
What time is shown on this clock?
12:01
